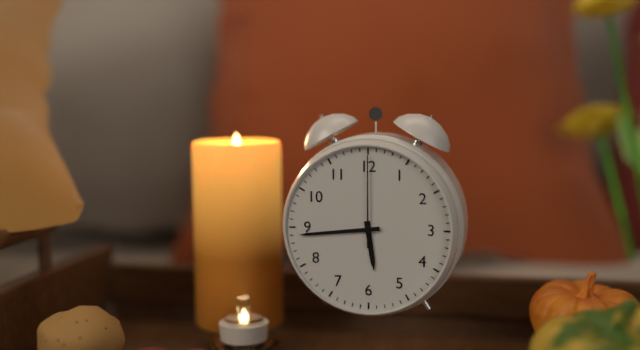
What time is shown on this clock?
5:44:00
